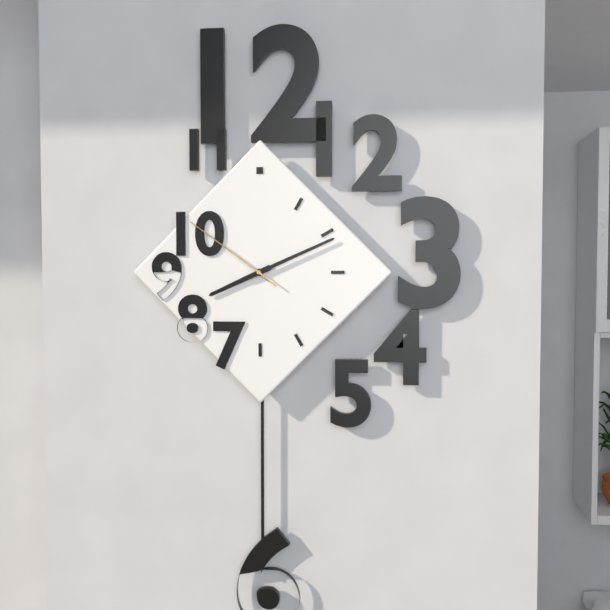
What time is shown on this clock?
8:11:51
